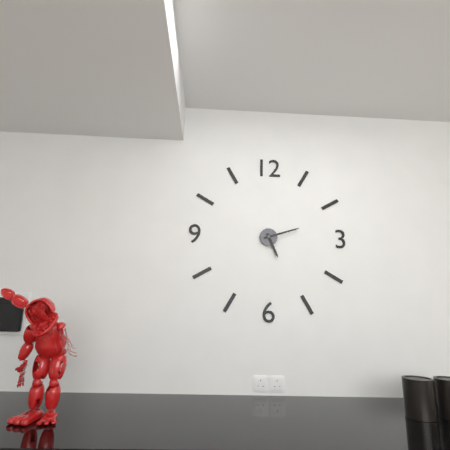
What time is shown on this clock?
5:12
